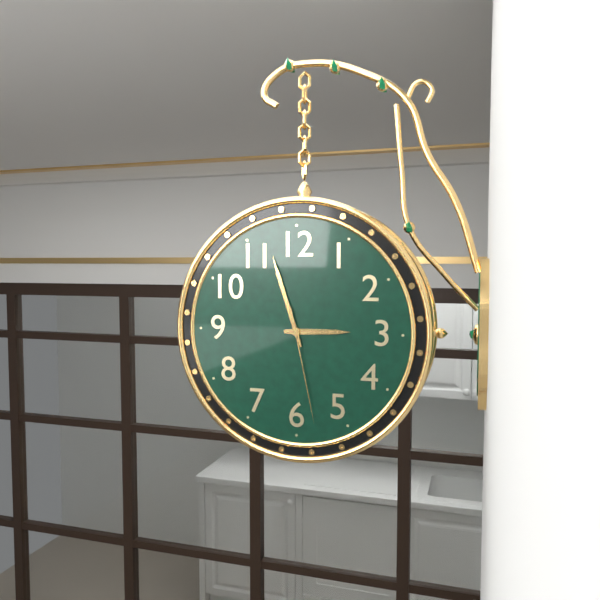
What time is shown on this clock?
2:57:28
